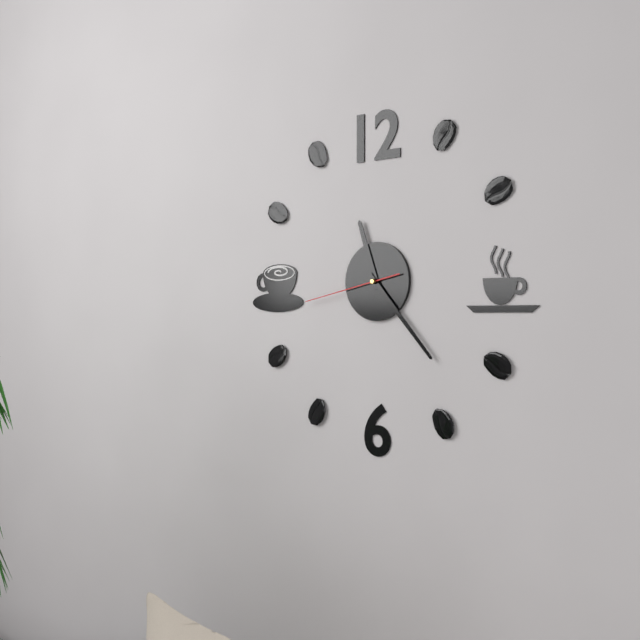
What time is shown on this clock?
11:23:43
